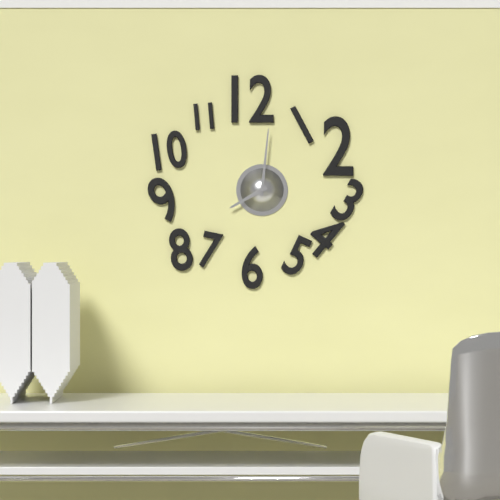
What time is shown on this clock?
8:01
